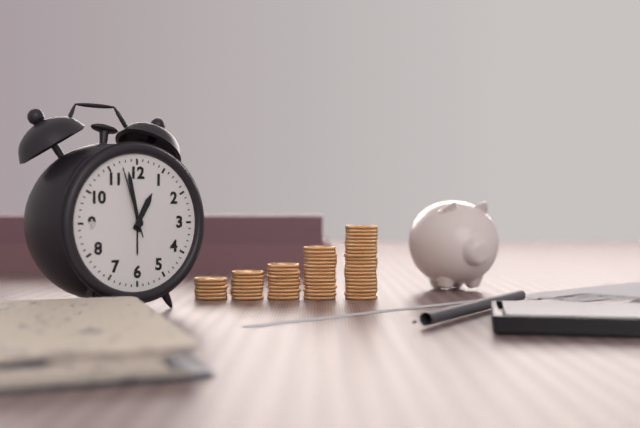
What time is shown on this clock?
12:58:57
